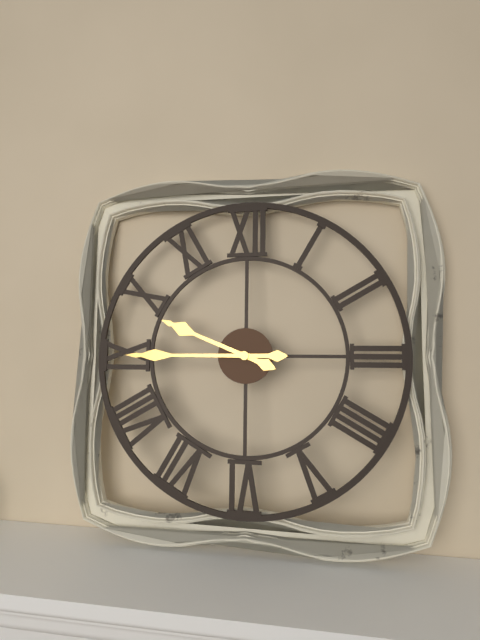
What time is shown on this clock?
9:45
